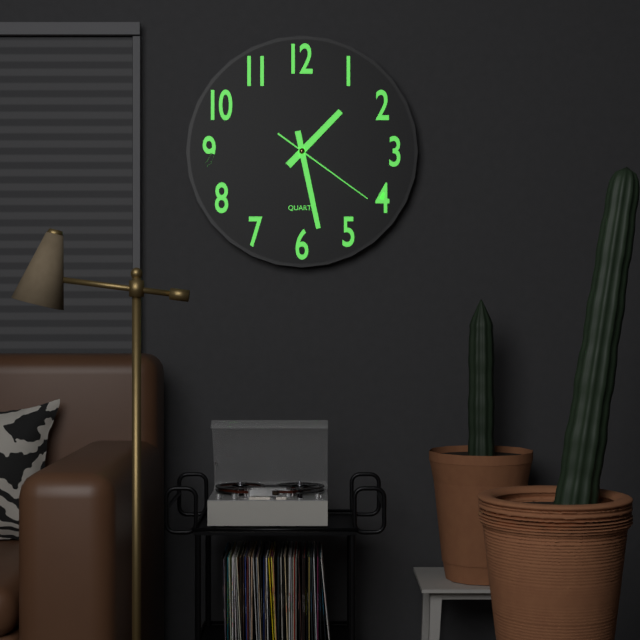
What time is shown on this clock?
1:28:21
